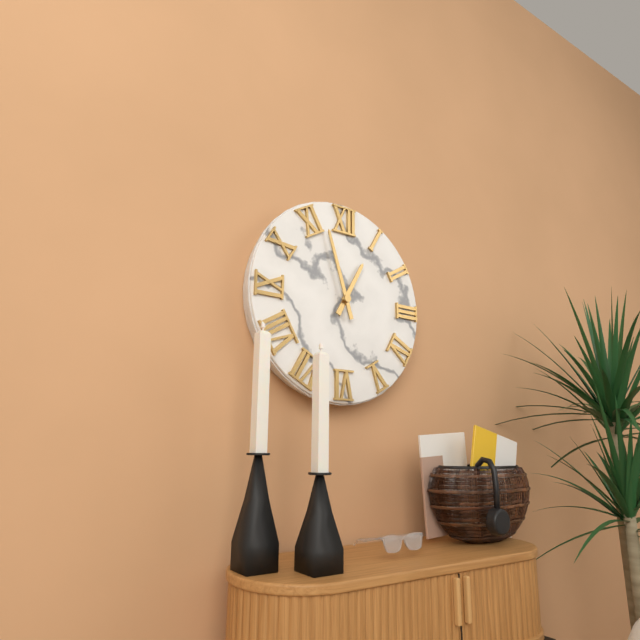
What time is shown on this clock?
12:57
